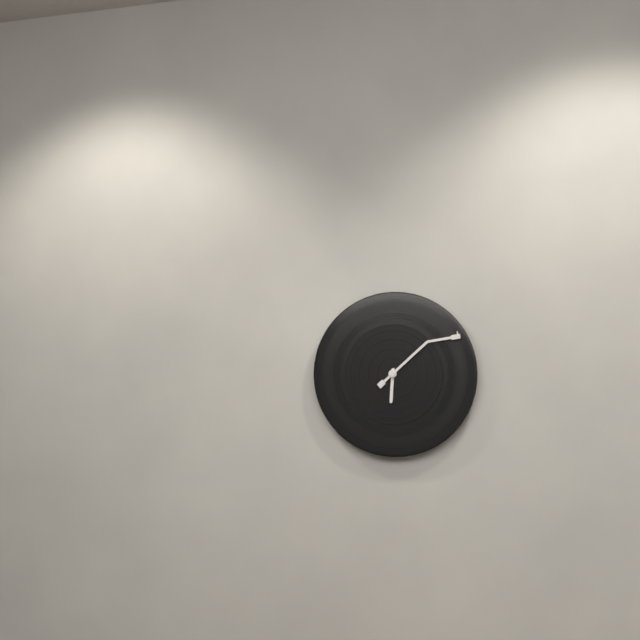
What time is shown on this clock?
6:08
